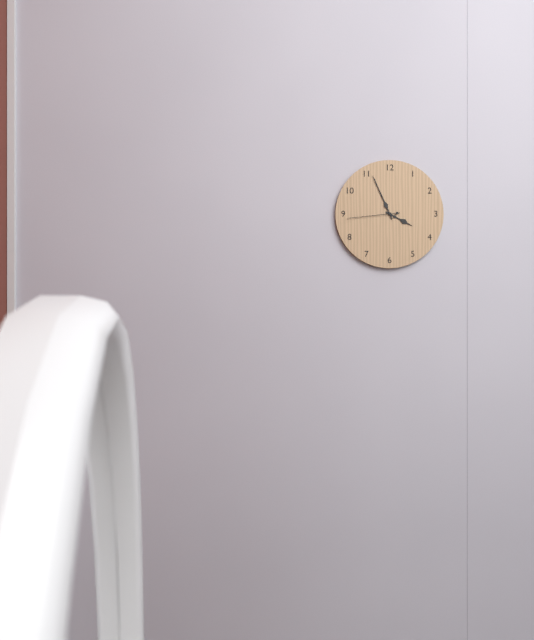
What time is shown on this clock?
3:56:44
